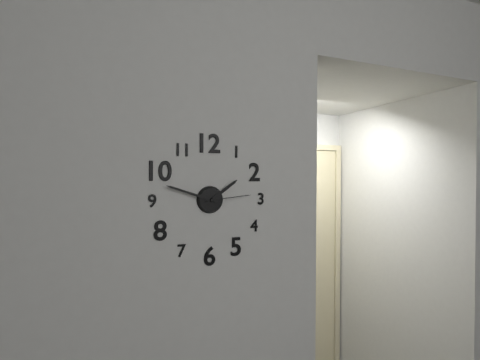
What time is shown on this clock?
1:48:14
